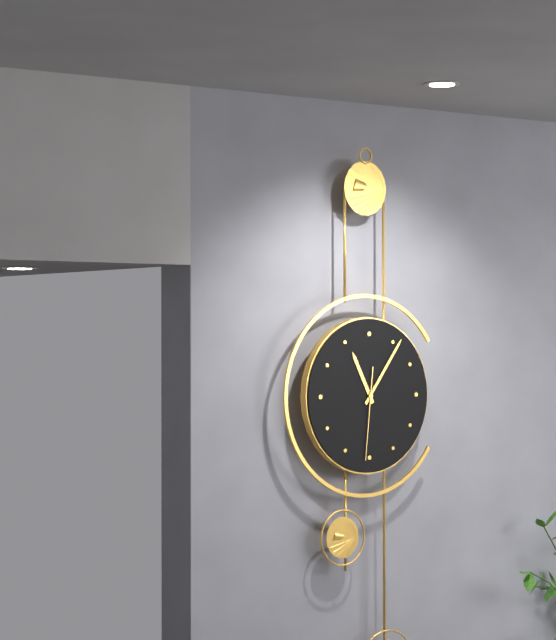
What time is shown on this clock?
11:06:31
